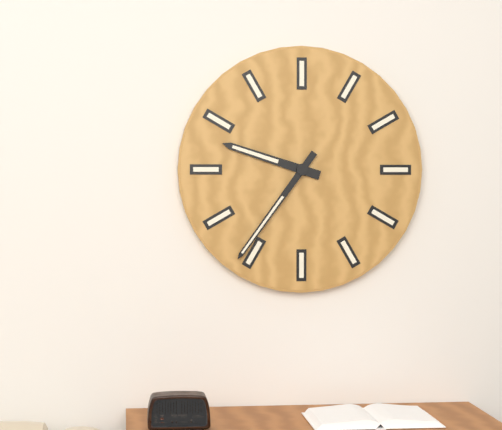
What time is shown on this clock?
9:36
